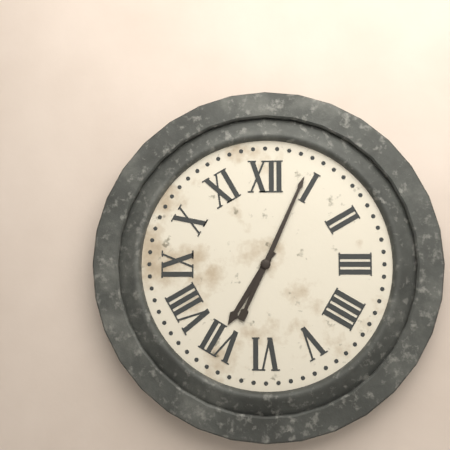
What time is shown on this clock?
7:04
